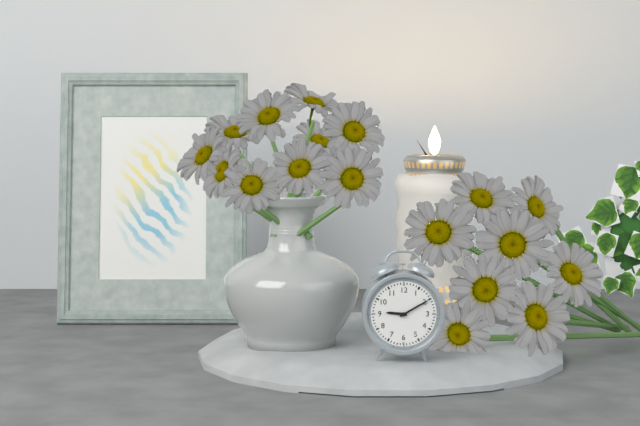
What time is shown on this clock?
9:10
